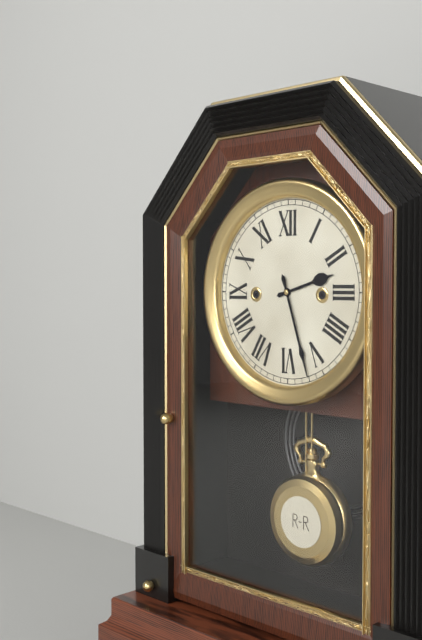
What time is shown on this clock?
2:27
